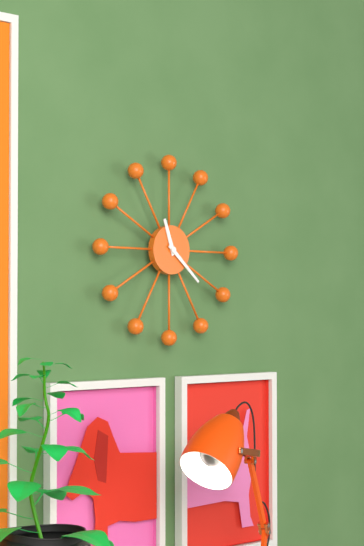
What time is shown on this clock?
11:22
